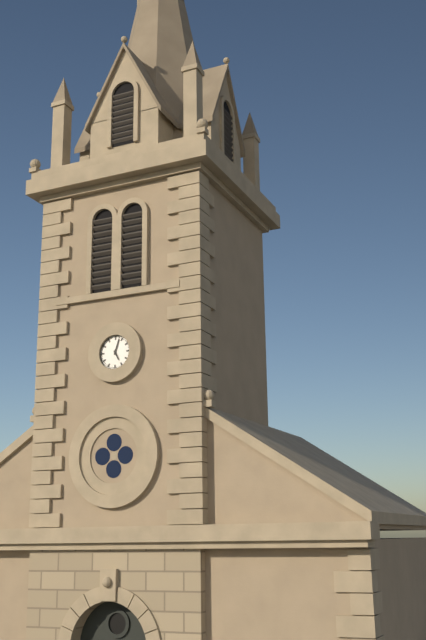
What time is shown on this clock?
5:03
